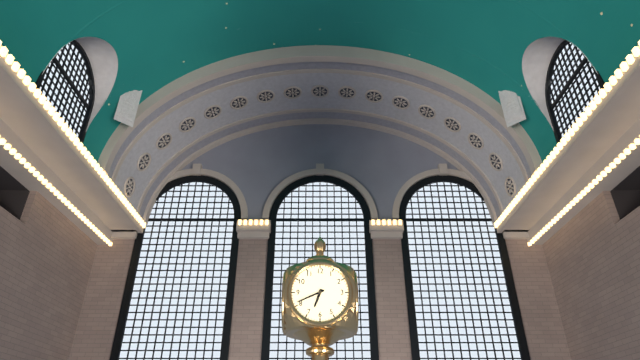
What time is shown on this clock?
6:41
